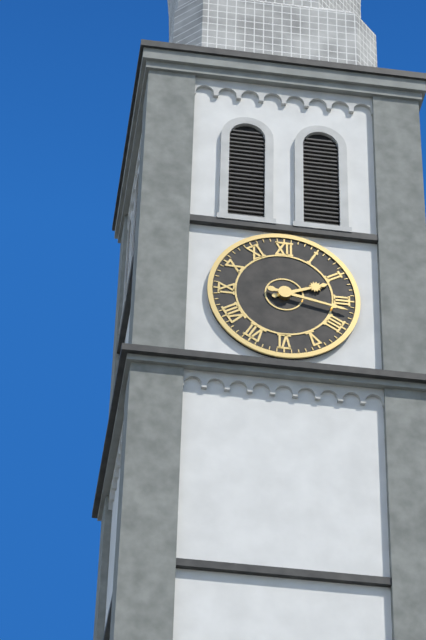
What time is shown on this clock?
2:17
